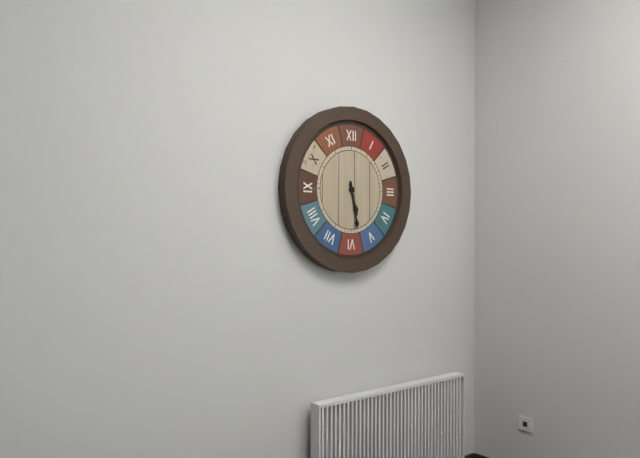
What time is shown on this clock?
5:28
